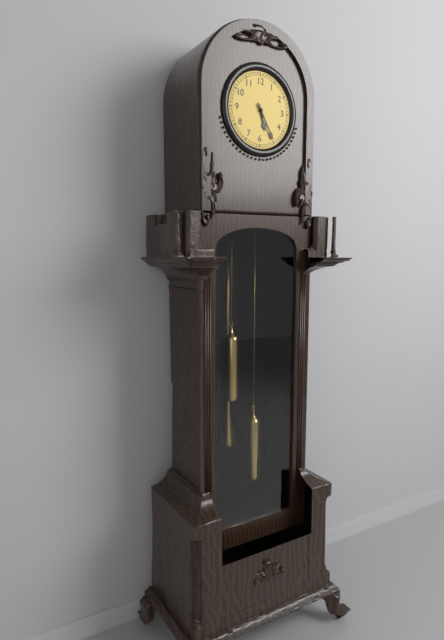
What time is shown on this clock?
5:25
